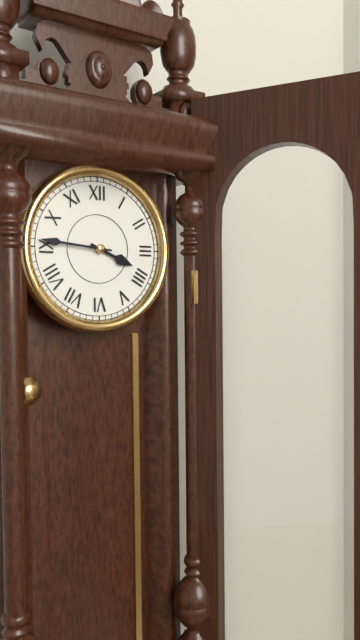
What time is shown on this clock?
3:46
